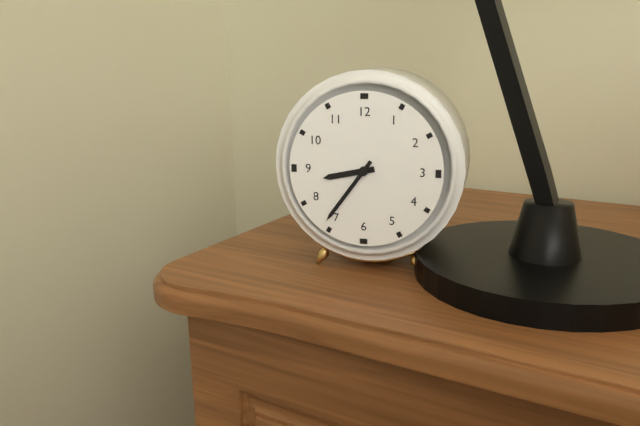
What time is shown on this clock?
8:36
